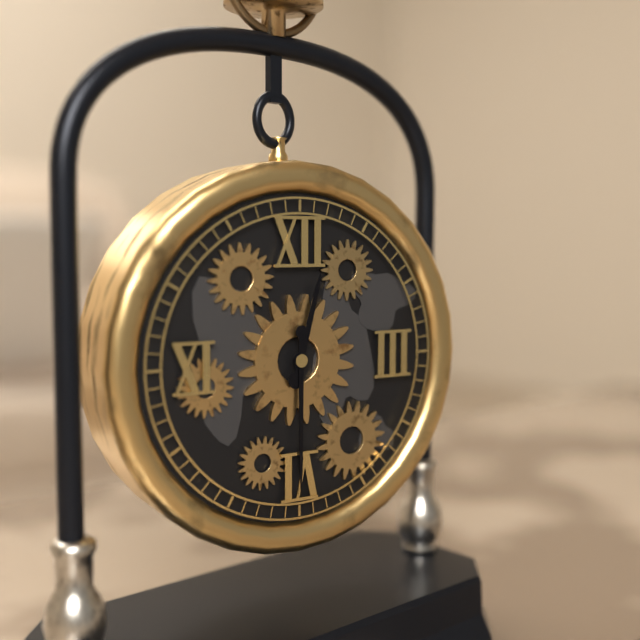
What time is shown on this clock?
12:30
